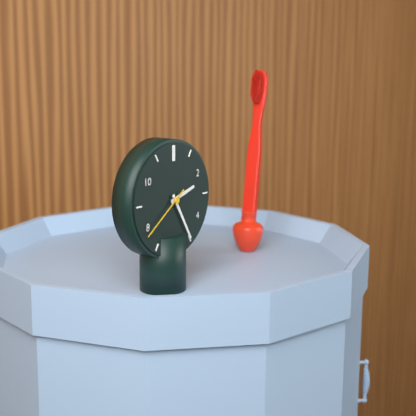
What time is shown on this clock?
2:25:39
